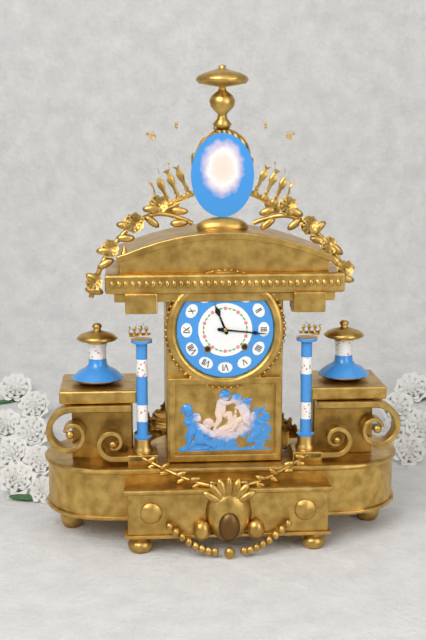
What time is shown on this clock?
11:16
